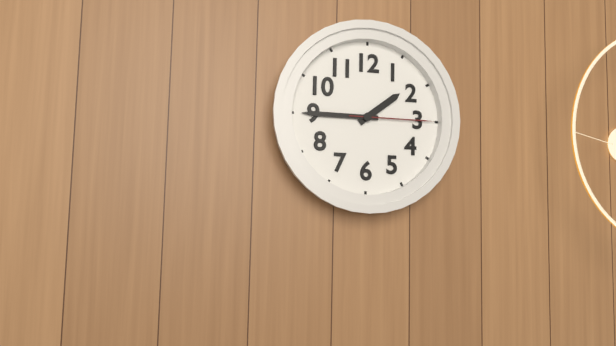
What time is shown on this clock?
1:45:15
